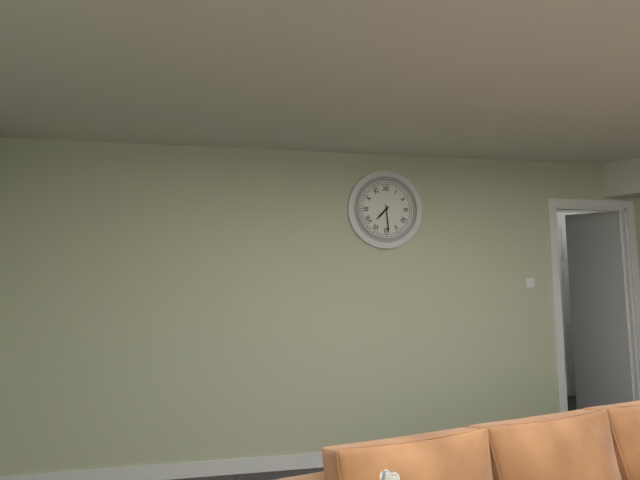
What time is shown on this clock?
7:29
